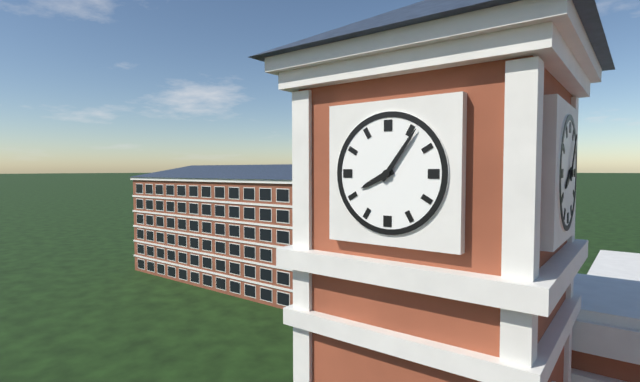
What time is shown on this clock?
8:06
